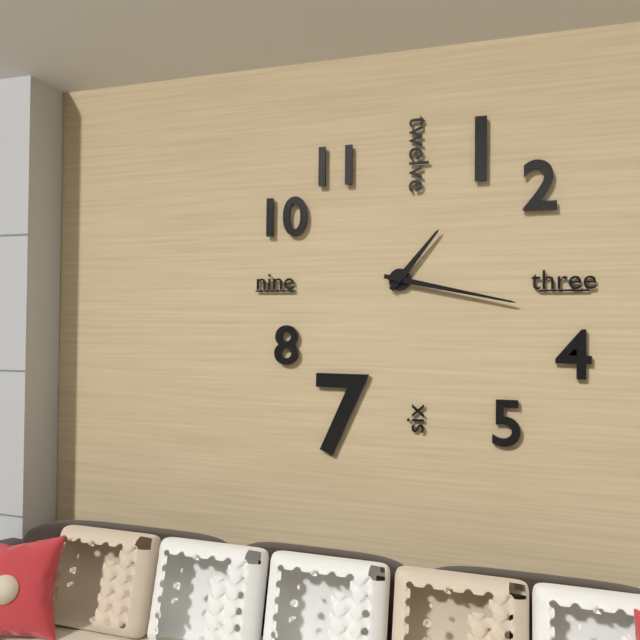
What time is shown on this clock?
1:17
